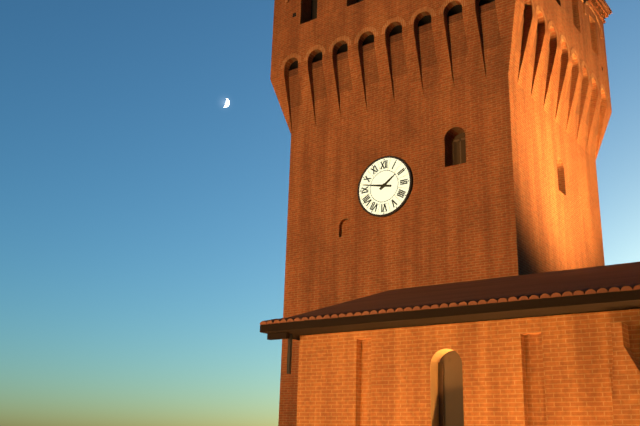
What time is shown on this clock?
1:47
